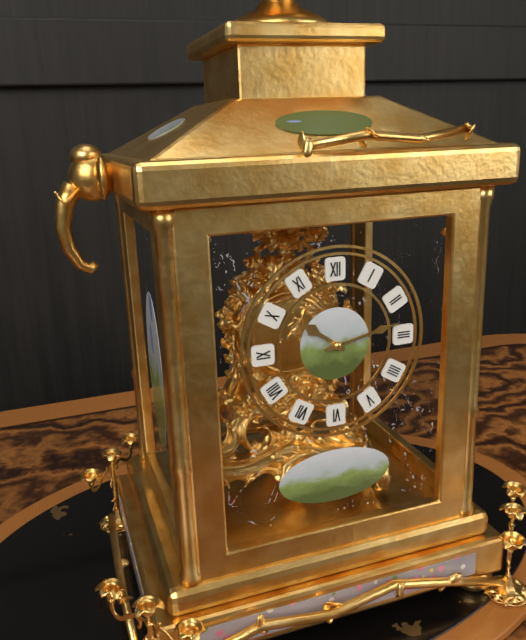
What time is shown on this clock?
10:13
